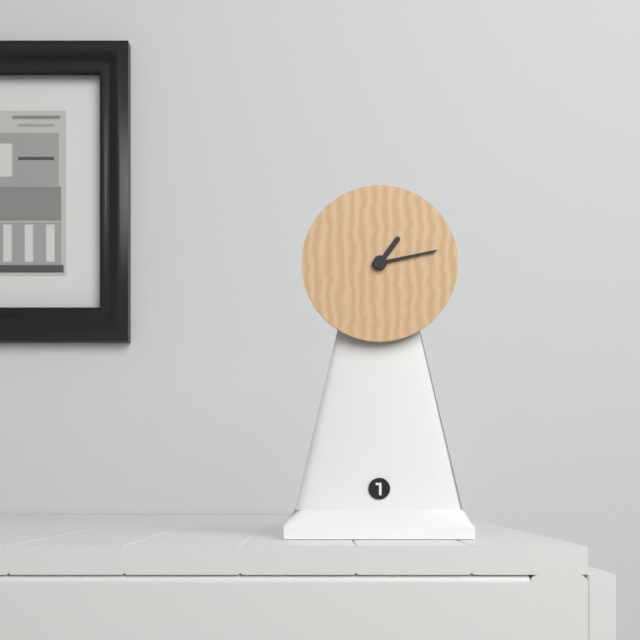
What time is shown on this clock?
1:13
